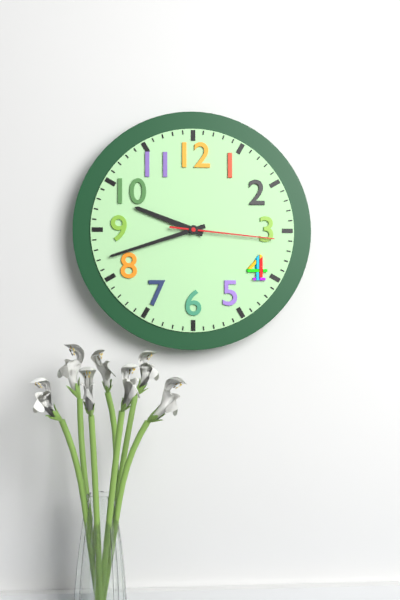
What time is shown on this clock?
9:42:16
